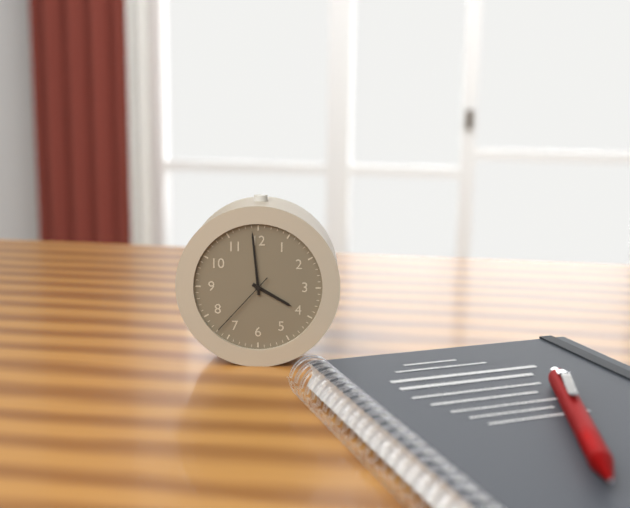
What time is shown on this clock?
3:59:37
